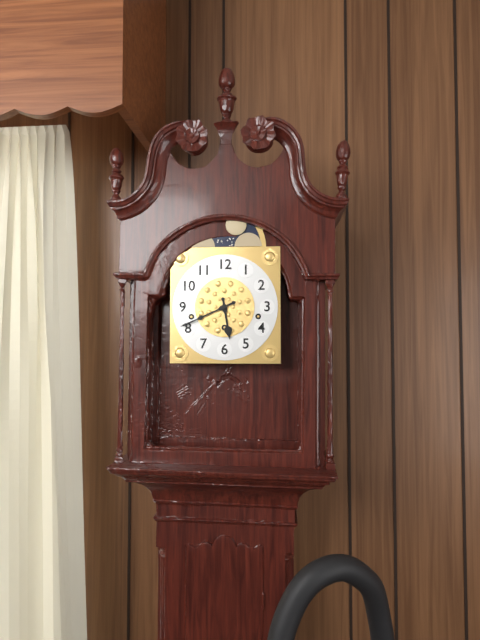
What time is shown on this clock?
5:41
